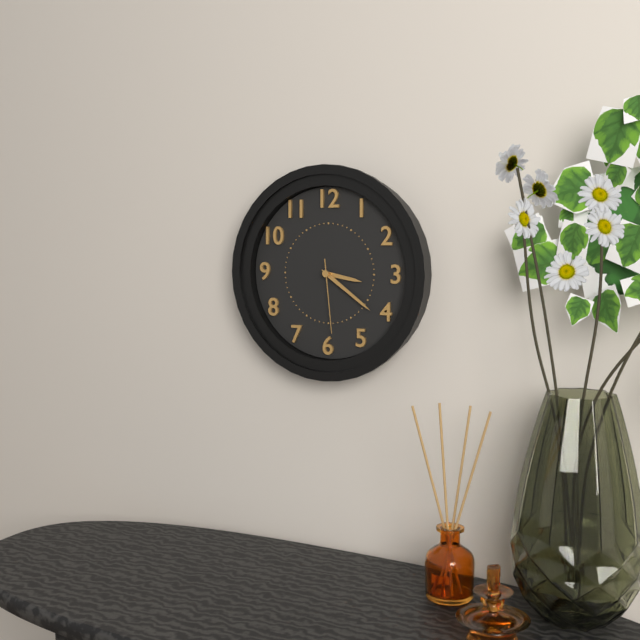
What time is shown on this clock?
3:21:29
